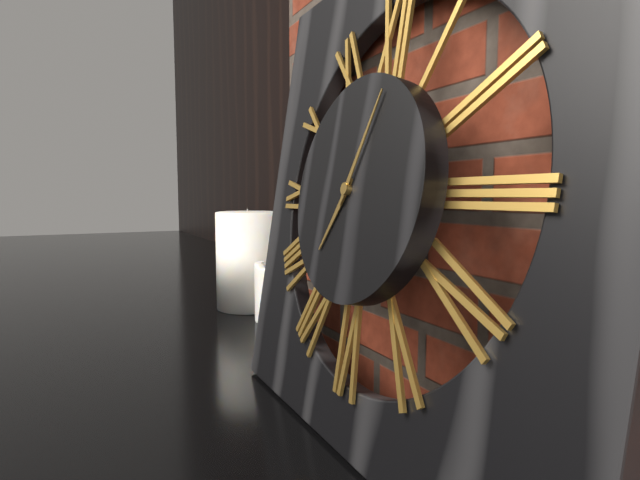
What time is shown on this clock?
7:04
